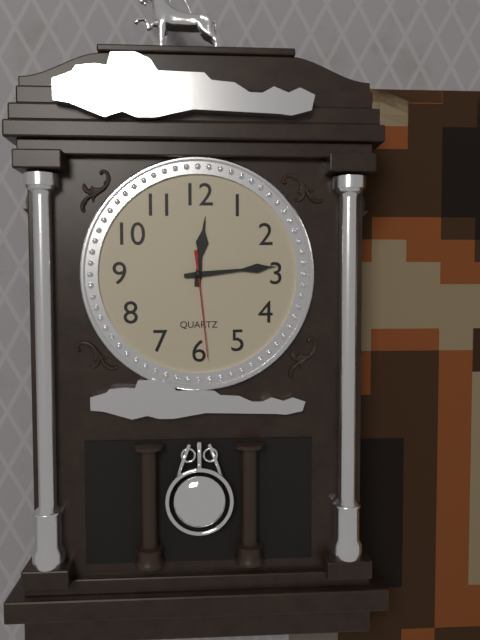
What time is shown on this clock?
12:14:29
